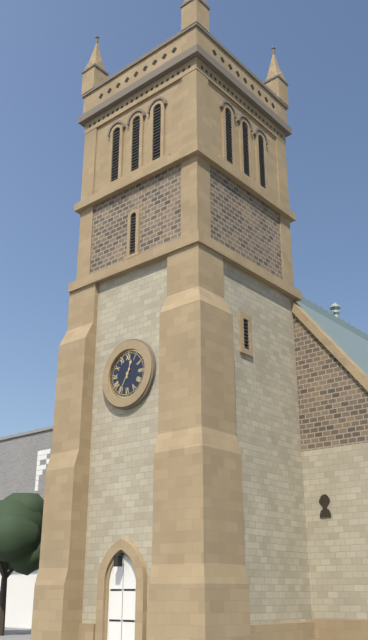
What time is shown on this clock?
12:35
